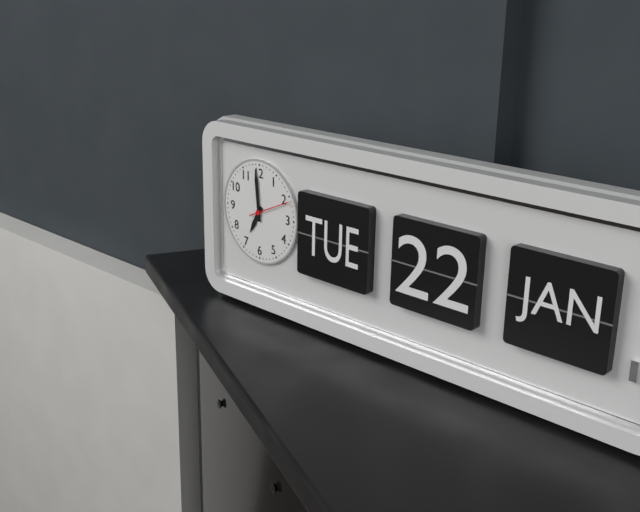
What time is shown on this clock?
6:59
